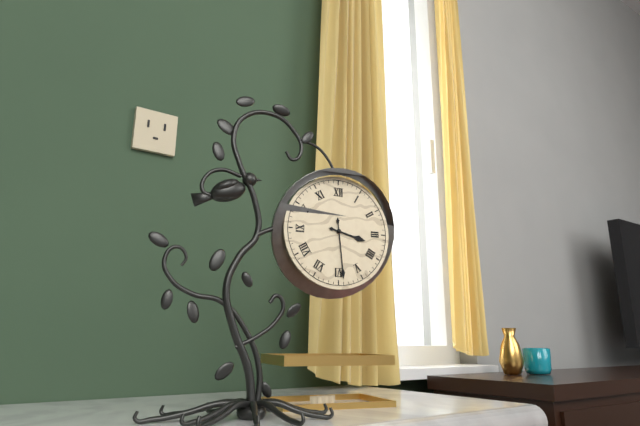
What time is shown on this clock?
3:29
